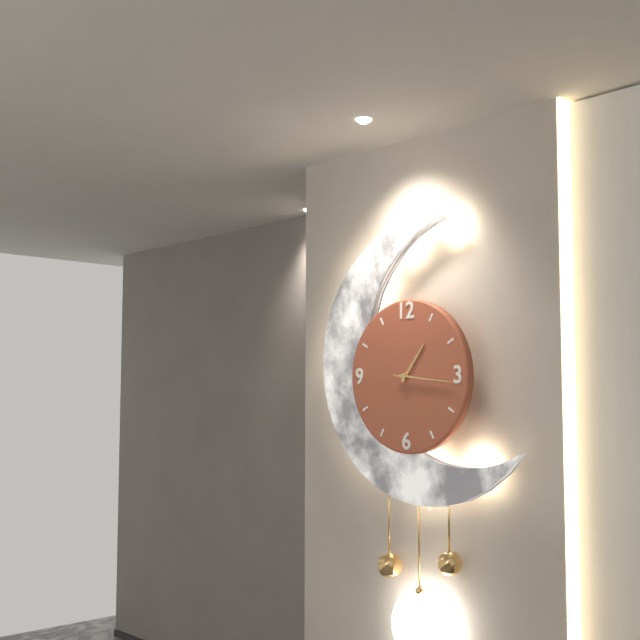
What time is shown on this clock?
1:16:16
